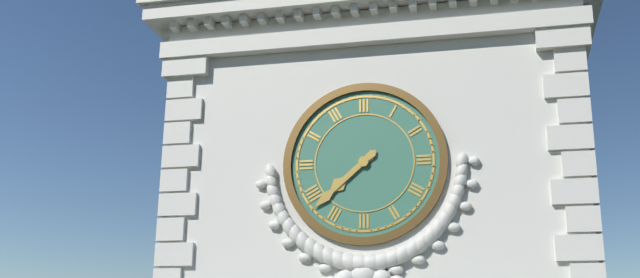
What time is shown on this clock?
7:38
